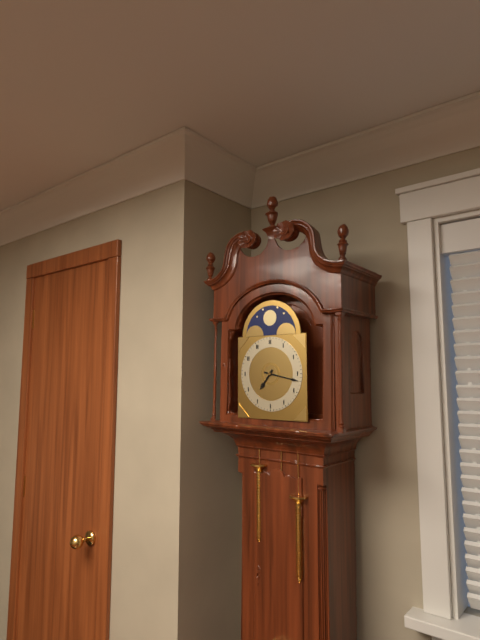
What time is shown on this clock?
7:17
